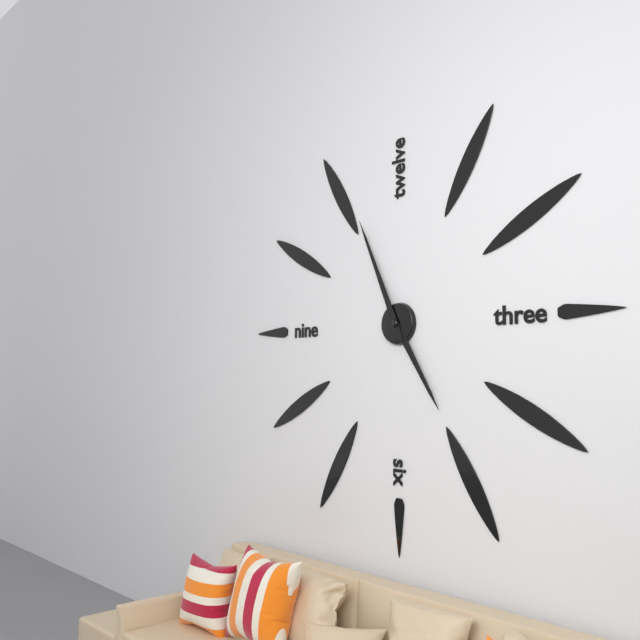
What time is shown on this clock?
4:56
